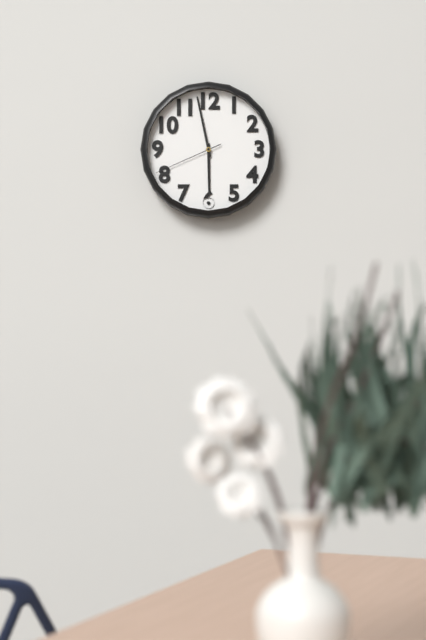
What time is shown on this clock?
5:58:41
